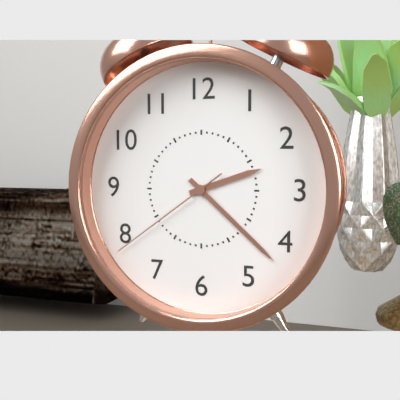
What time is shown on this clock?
2:22:39
